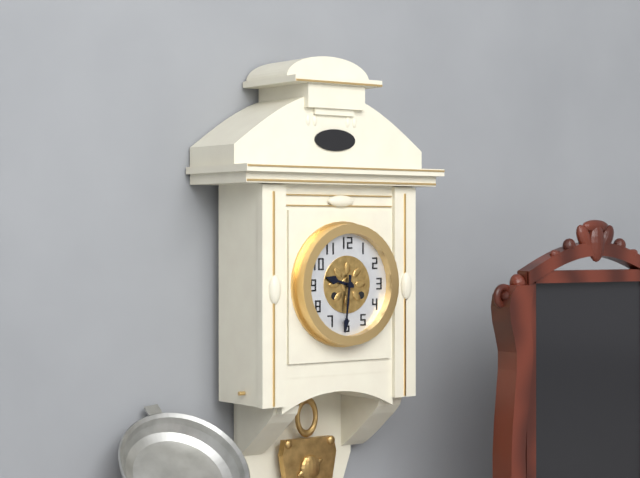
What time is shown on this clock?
9:31
